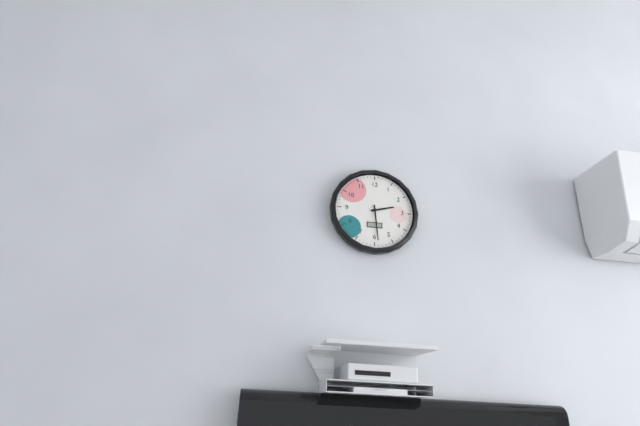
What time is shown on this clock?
2:29
